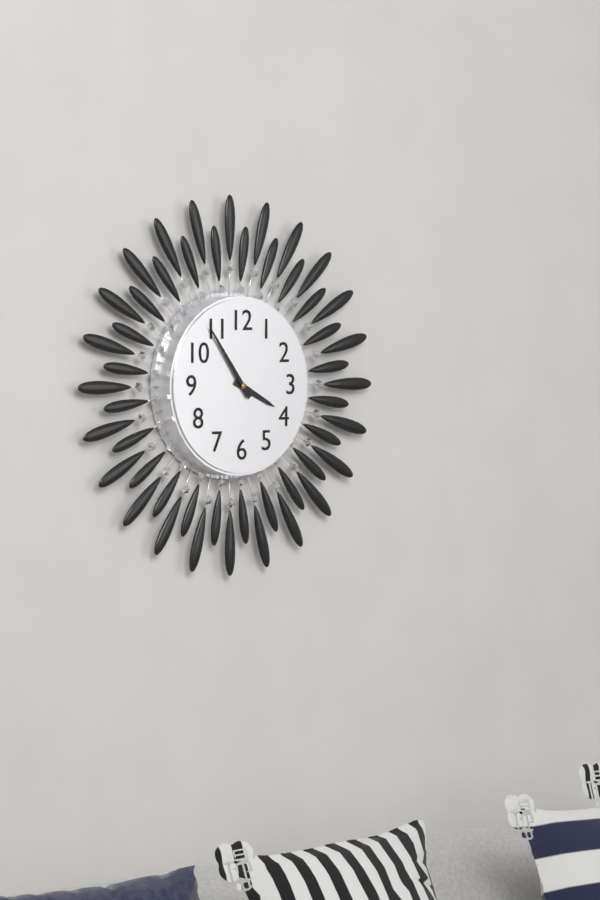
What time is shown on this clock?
3:54
